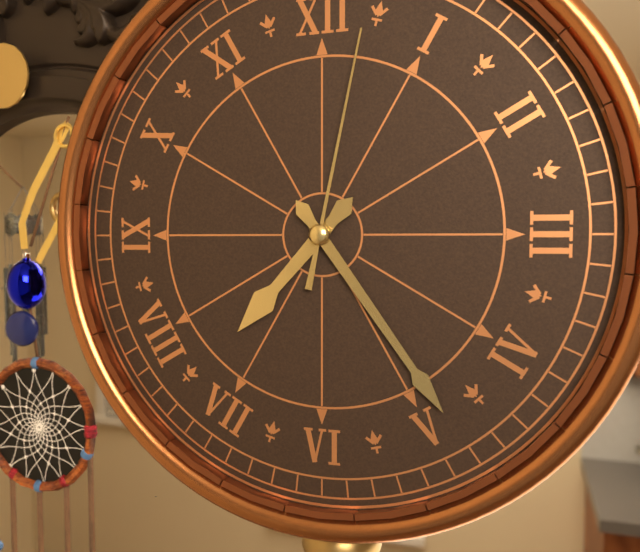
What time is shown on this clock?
7:24:02
